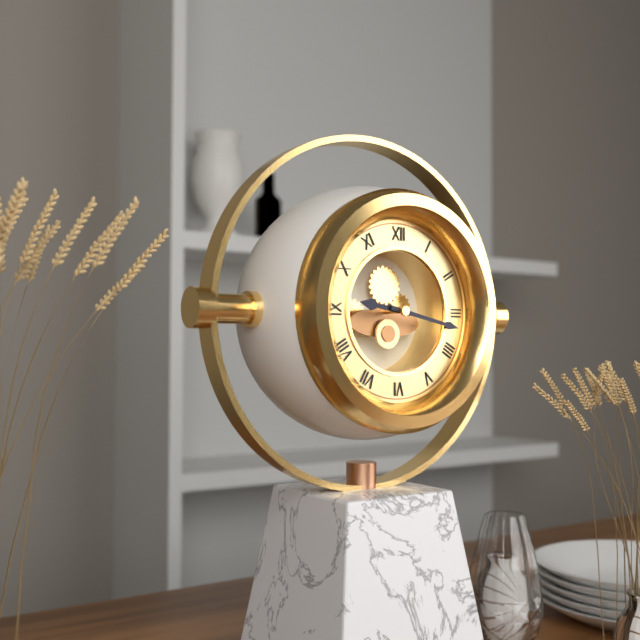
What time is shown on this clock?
9:17
